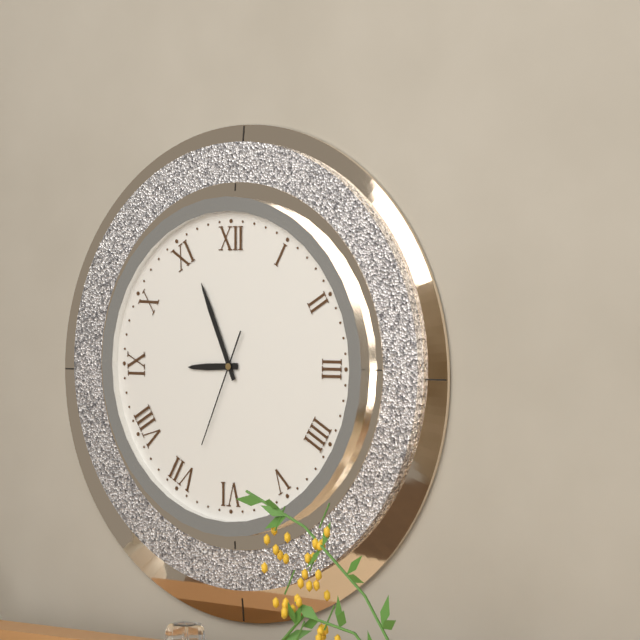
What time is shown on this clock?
8:56:34
